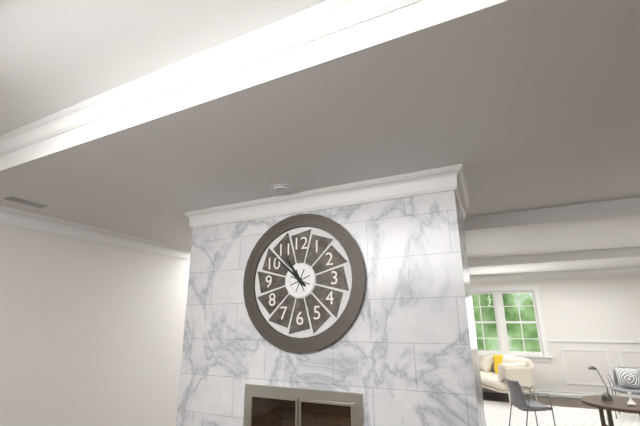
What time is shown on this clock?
10:52
